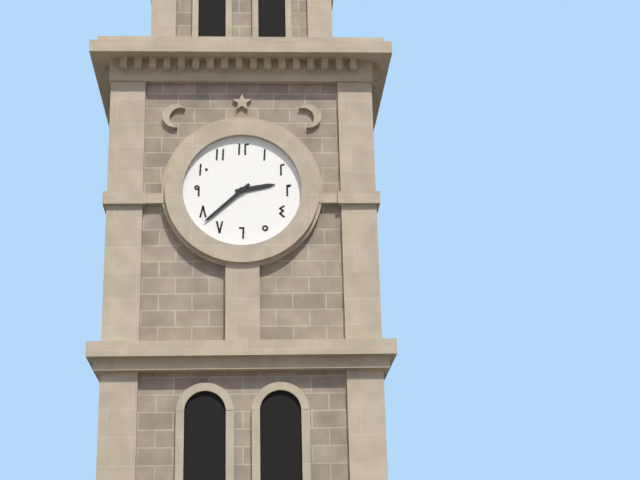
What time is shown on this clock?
2:38
